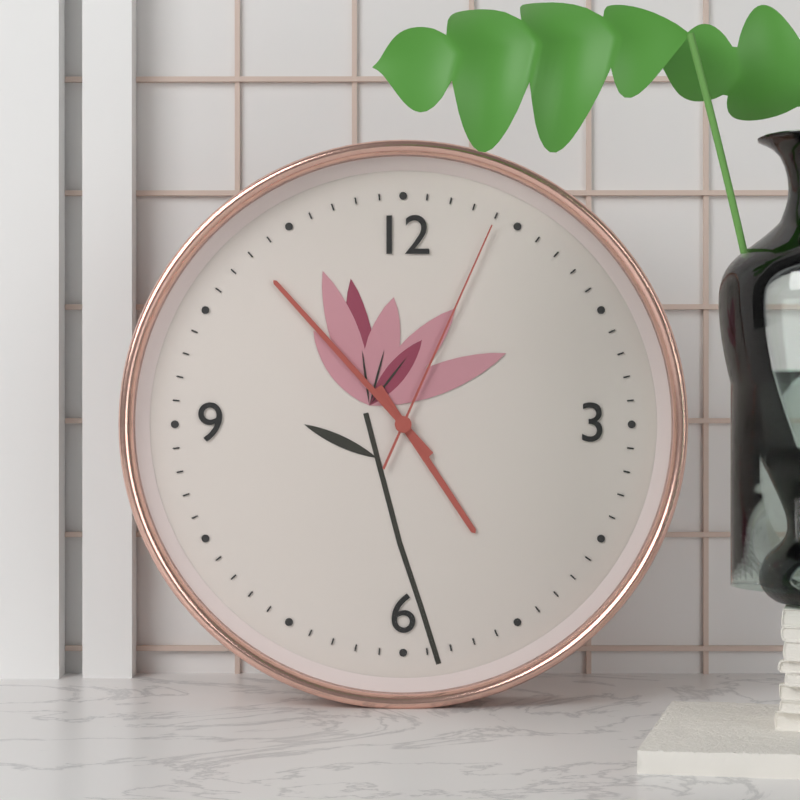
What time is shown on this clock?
4:53:04
